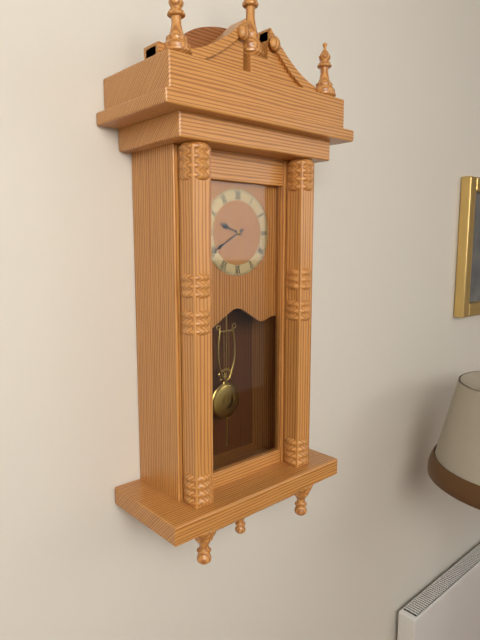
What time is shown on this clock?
9:40
